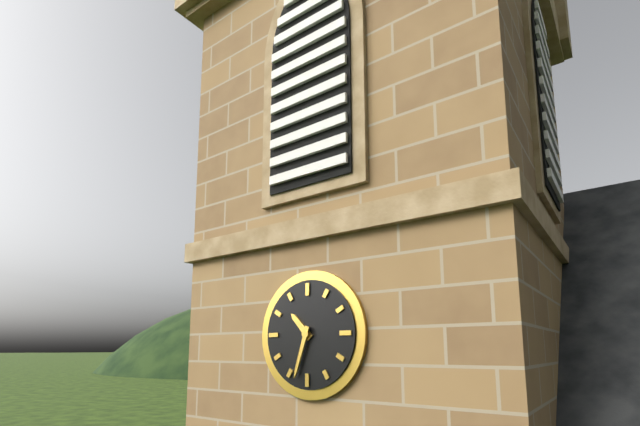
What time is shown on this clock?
10:33
